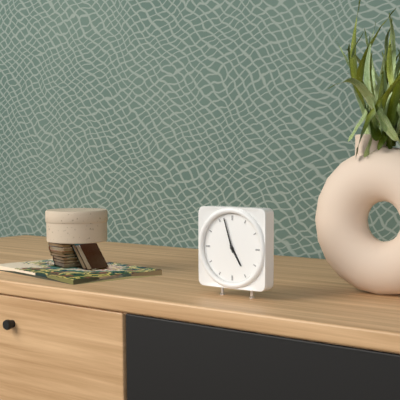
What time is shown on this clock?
4:57
